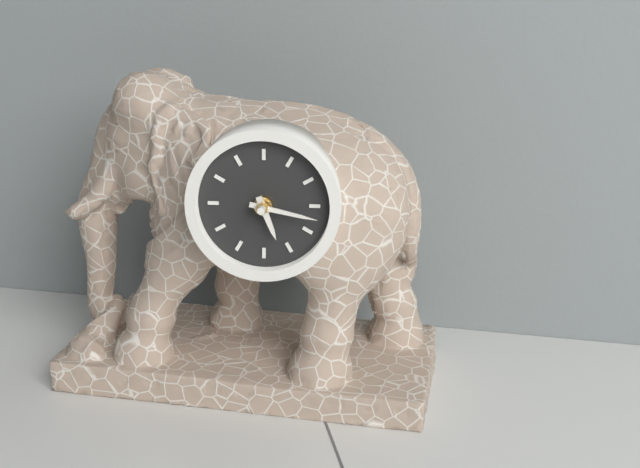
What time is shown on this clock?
5:17
